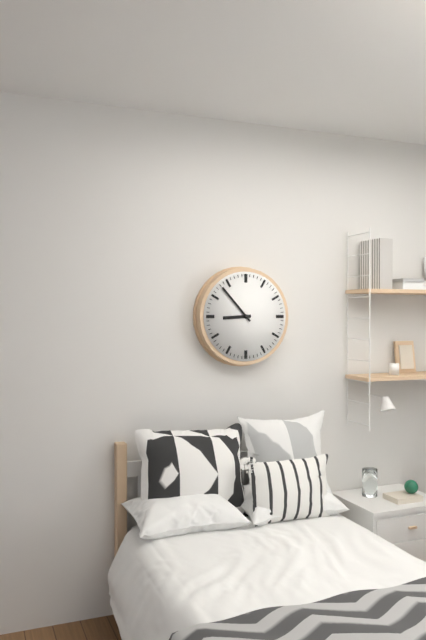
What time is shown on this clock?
8:53
